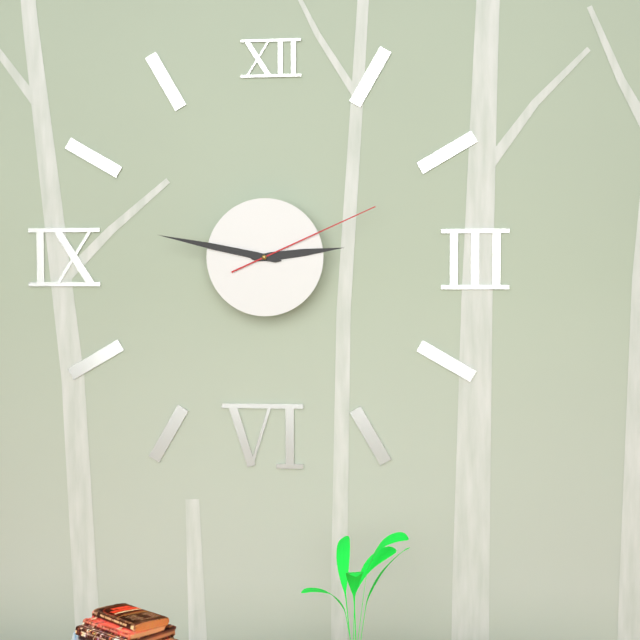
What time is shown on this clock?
2:47:11
